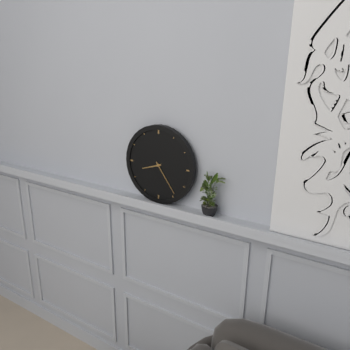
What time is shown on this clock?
8:24
